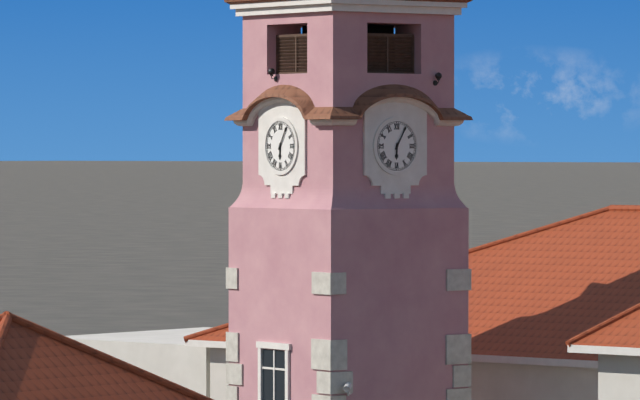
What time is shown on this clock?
6:05
